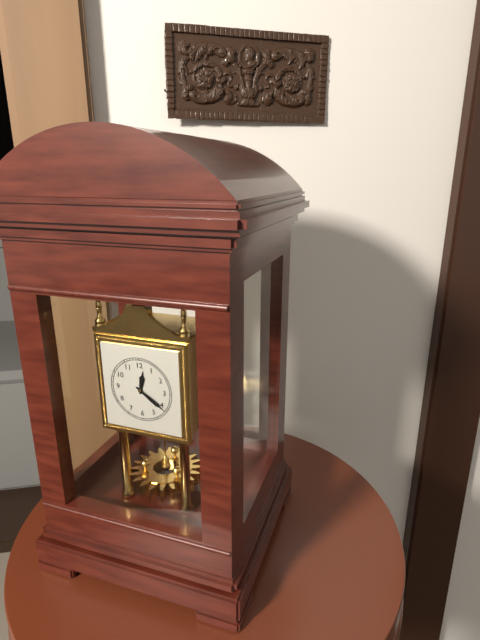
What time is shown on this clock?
12:21
